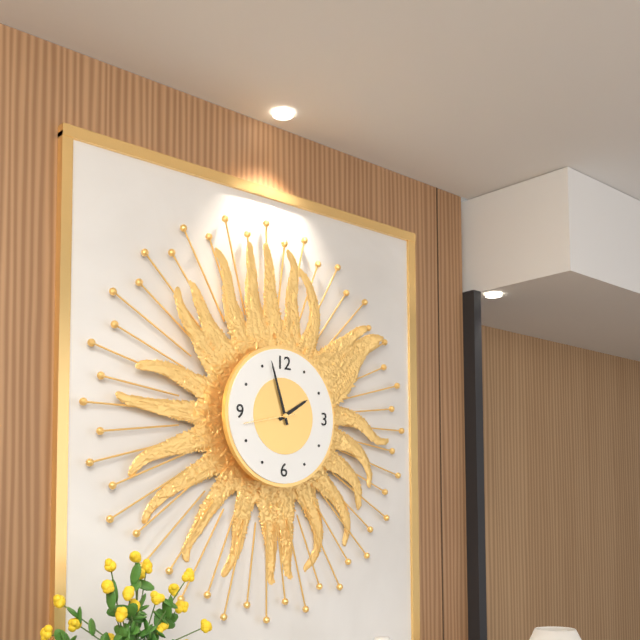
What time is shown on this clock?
1:57:43
